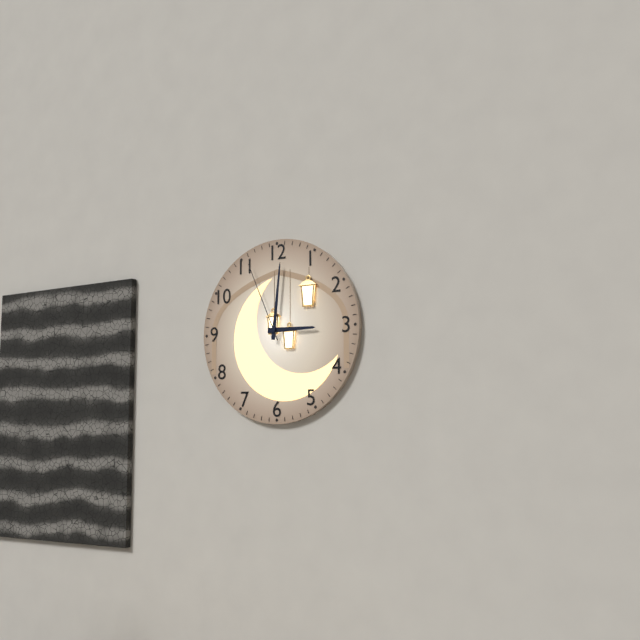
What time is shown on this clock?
3:01:56
